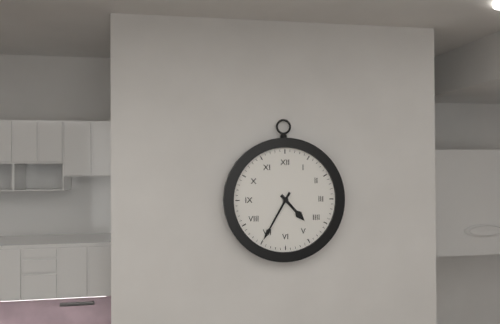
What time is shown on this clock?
4:35
